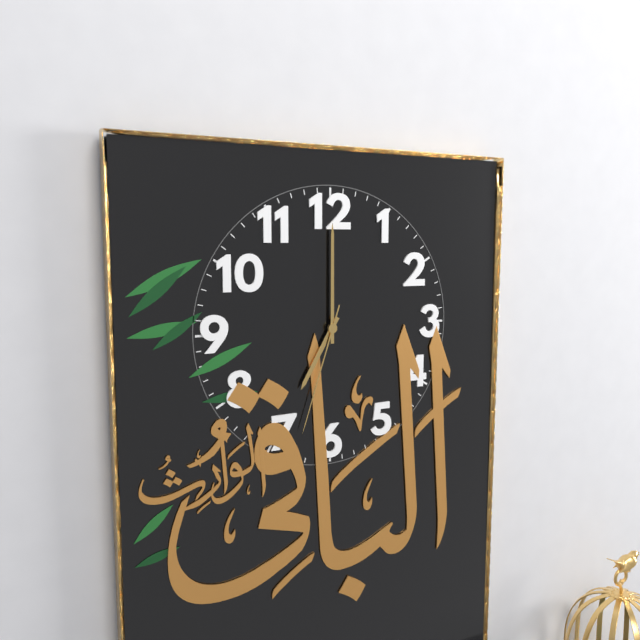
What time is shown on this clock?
7:00:33
